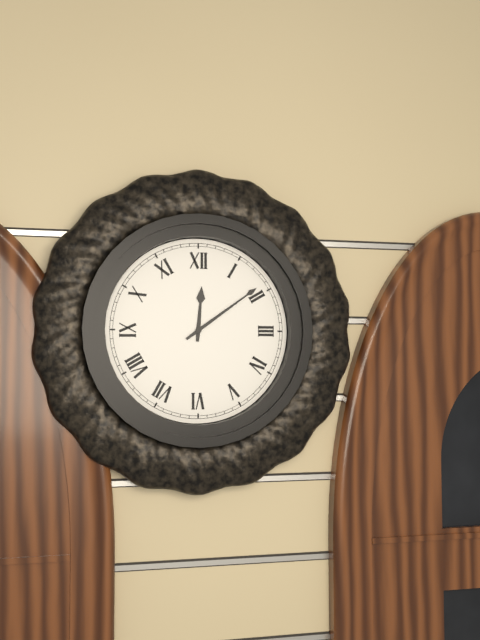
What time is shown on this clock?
12:09
